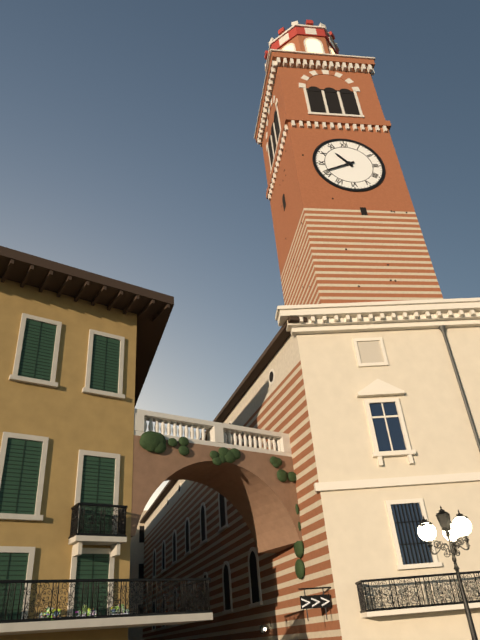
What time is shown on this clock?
10:41
